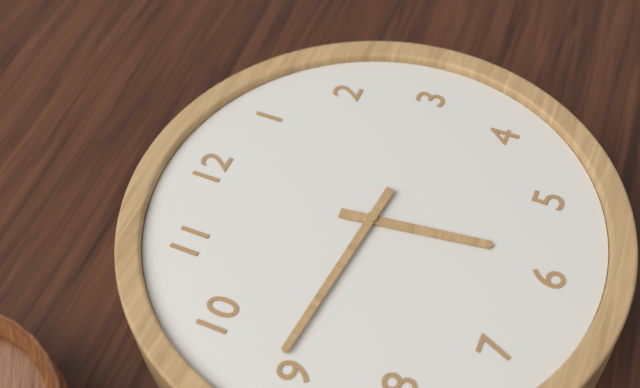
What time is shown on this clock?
5:46
